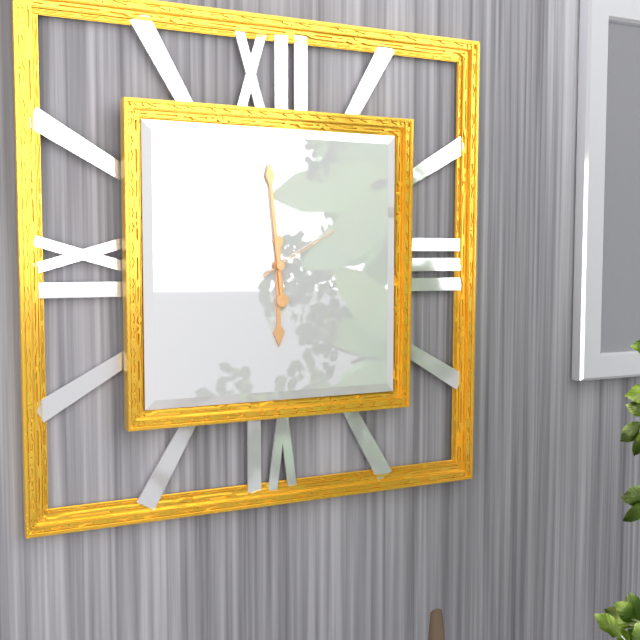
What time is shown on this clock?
5:59:10
